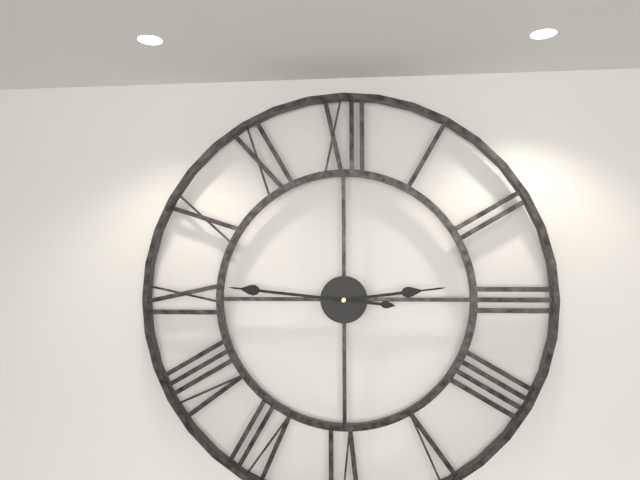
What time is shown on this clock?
2:46
